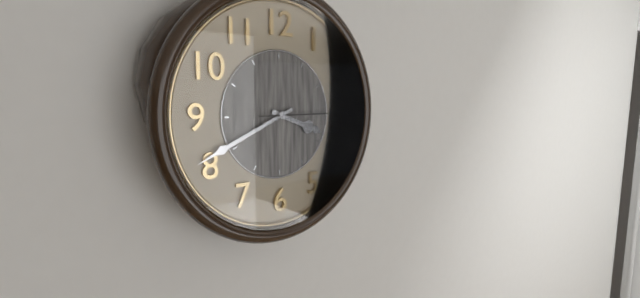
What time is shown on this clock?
3:41:15
